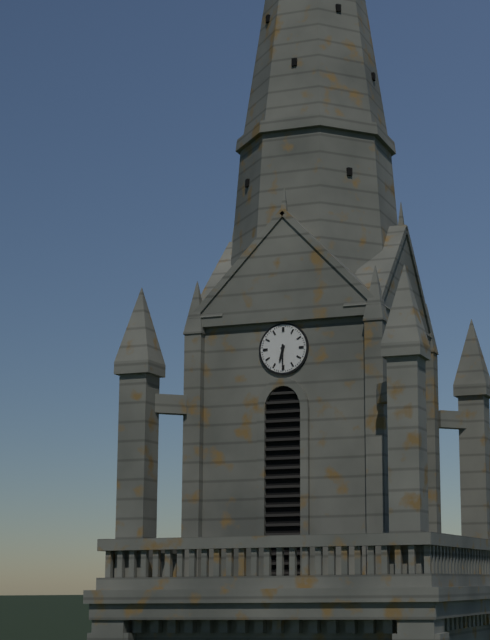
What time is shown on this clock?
6:30
